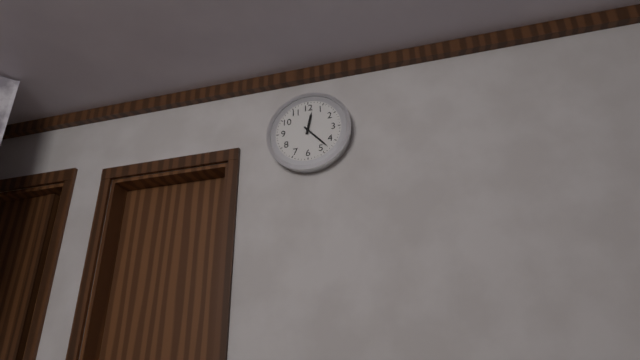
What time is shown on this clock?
12:23
